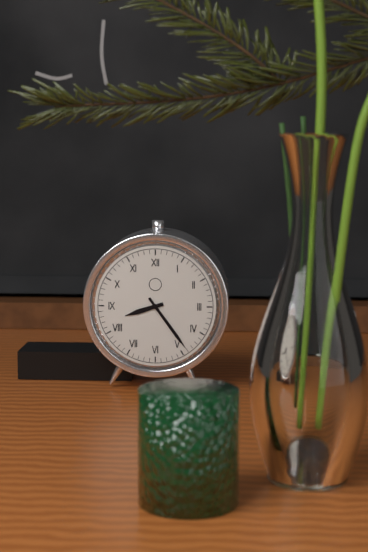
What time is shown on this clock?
8:24
